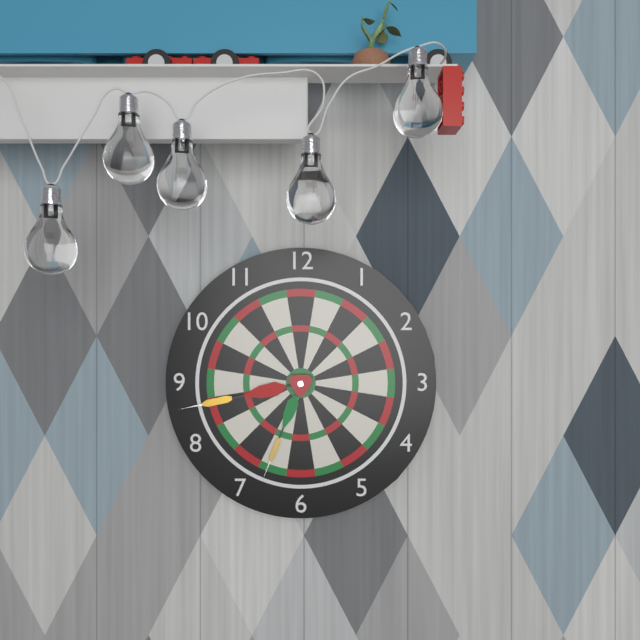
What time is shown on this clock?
6:43
